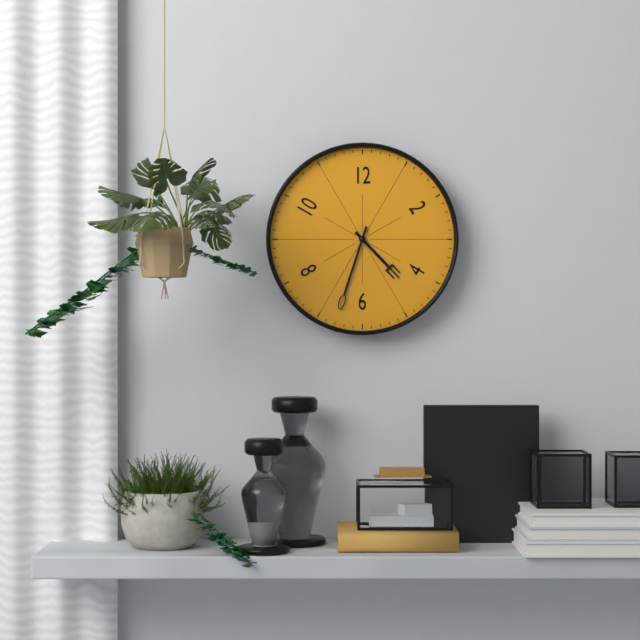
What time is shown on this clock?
4:33
